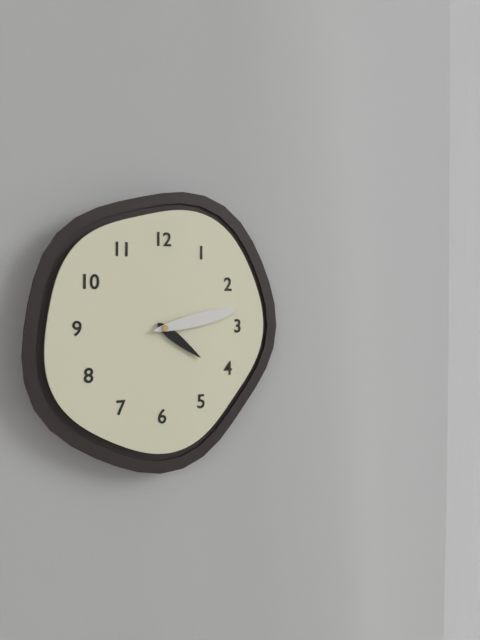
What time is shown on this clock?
4:13
